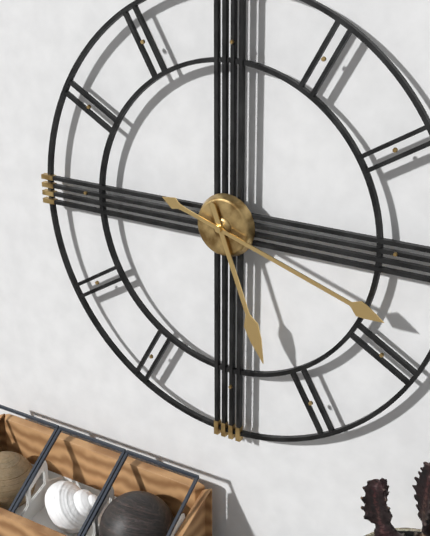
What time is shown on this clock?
5:18
